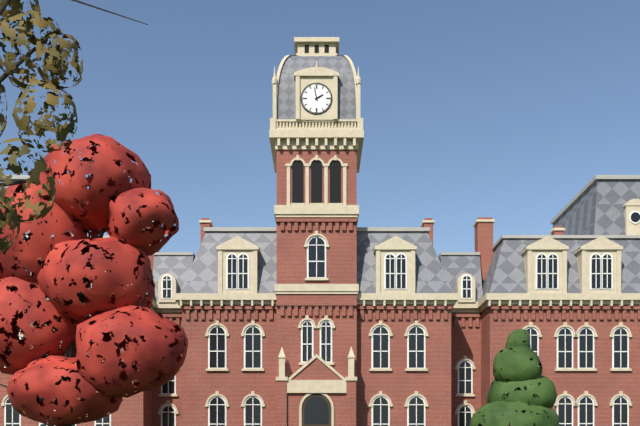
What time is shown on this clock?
1:58
